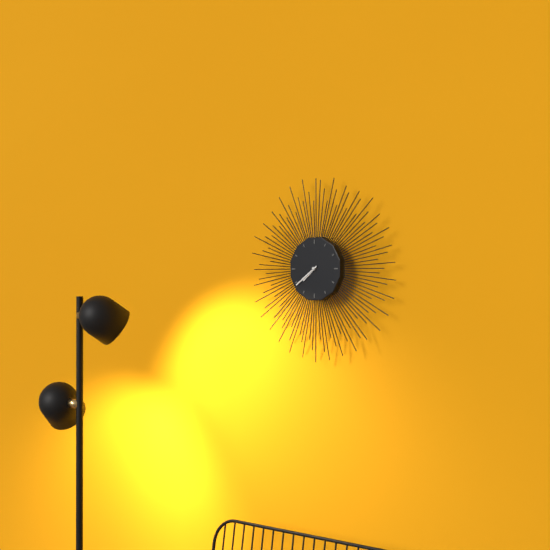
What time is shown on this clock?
7:39
